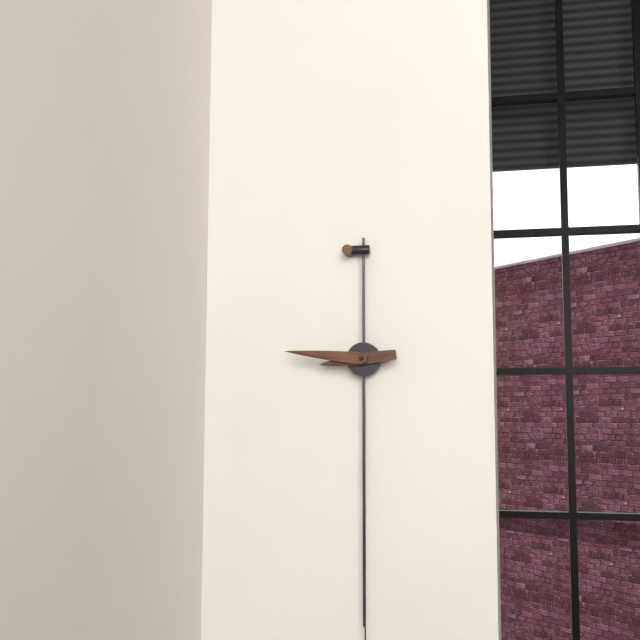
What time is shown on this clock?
8:46
